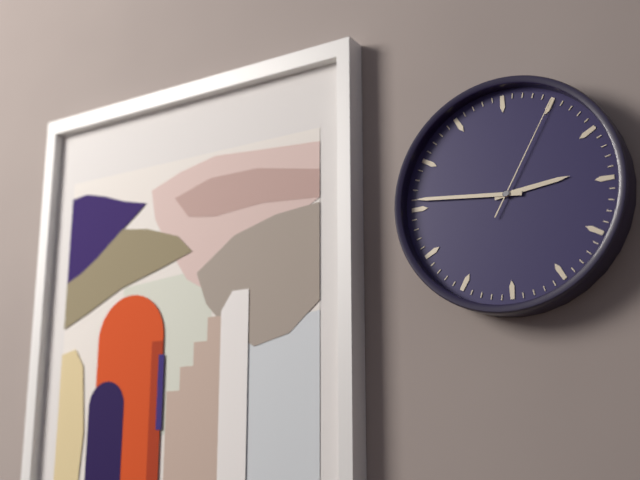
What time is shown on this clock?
2:46:05
